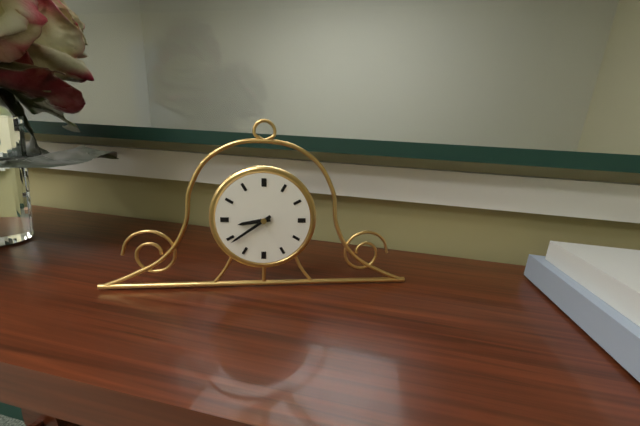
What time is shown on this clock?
8:39
